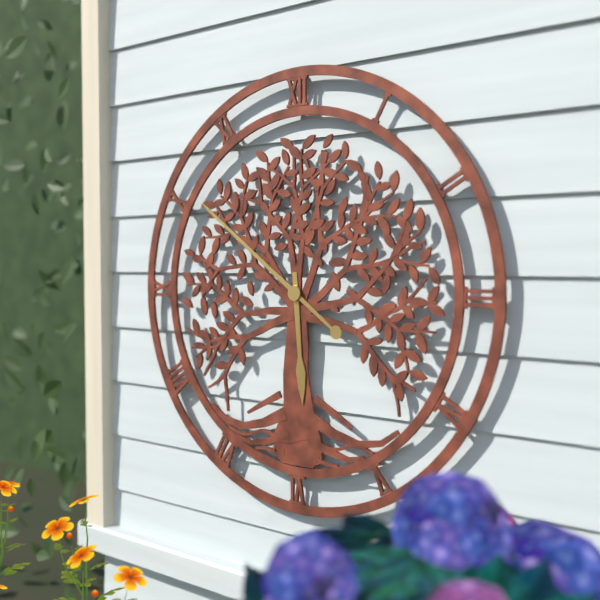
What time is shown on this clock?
5:51
